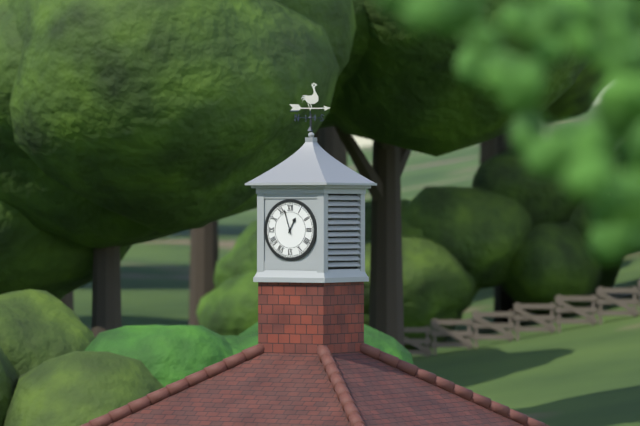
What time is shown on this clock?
12:57
